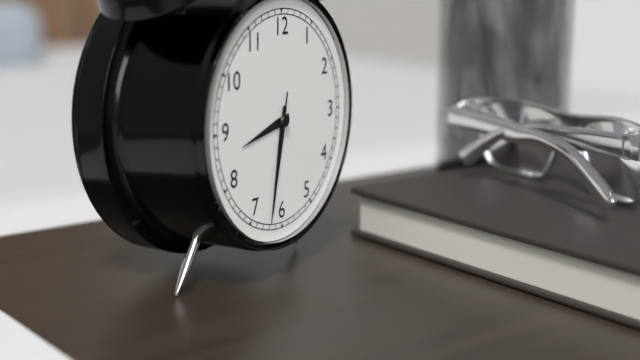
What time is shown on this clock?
8:32:32
